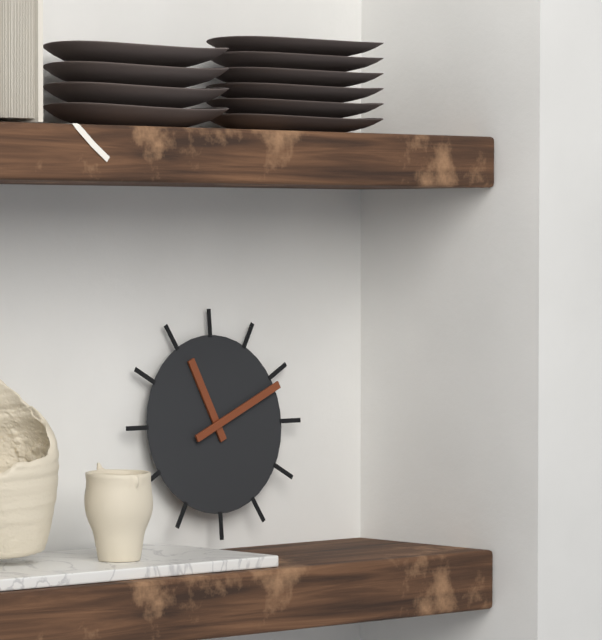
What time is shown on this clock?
11:11
